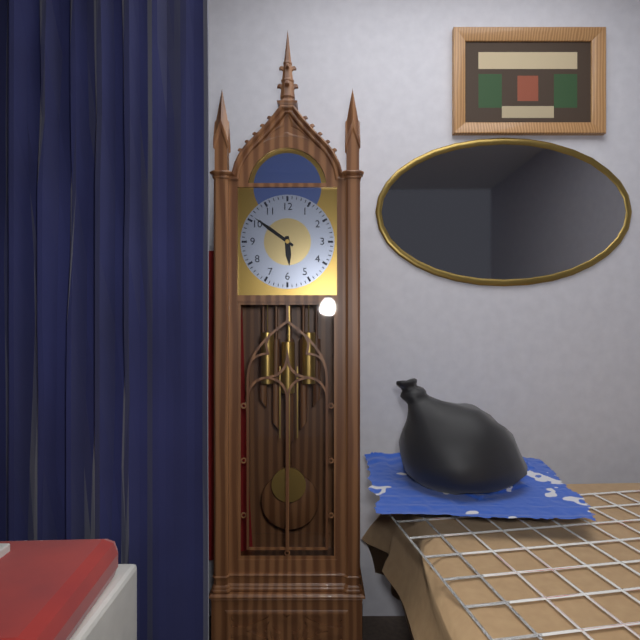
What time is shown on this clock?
5:51
